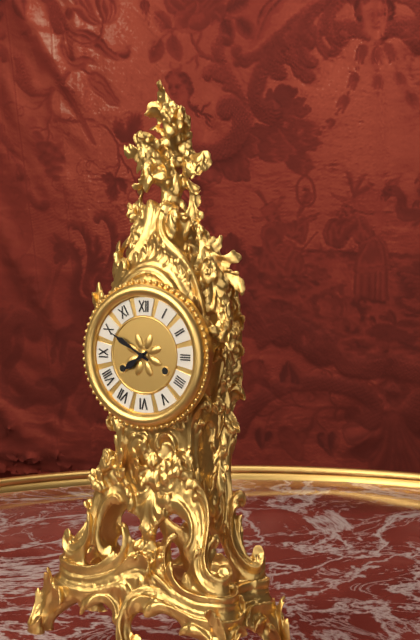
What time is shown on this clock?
7:50
